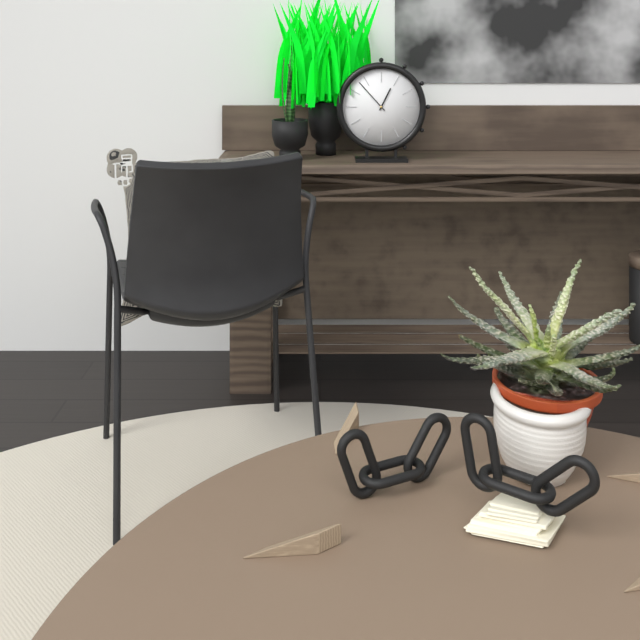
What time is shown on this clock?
12:53
